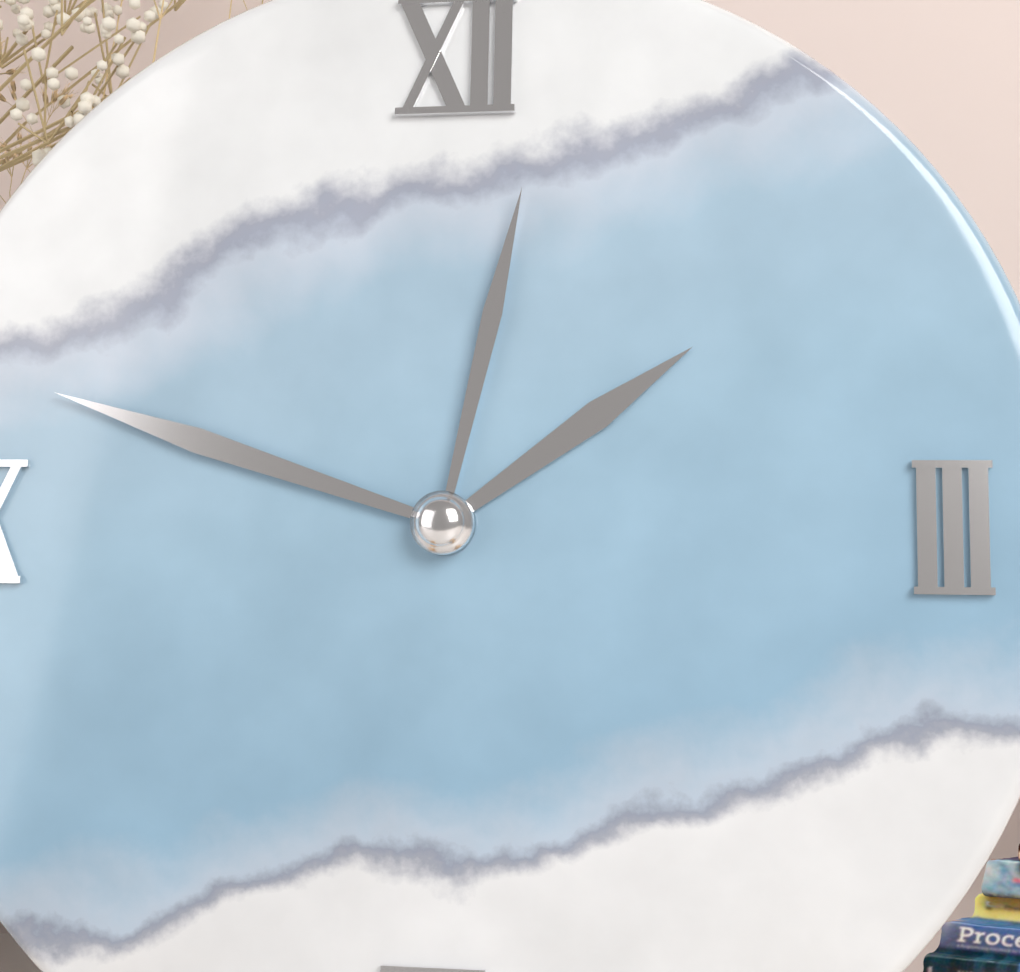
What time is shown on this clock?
1:48:02
